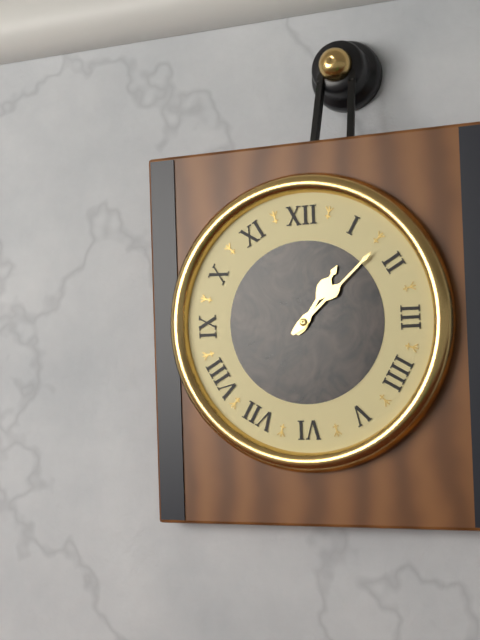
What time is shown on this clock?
1:08
